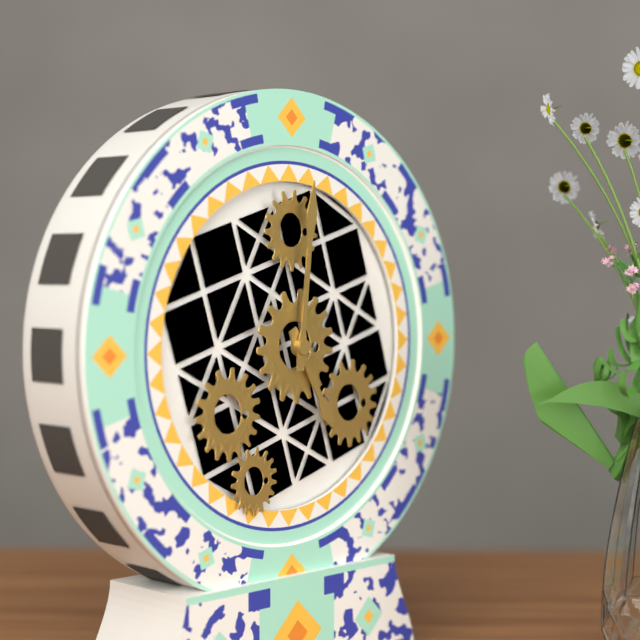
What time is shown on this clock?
5:01
